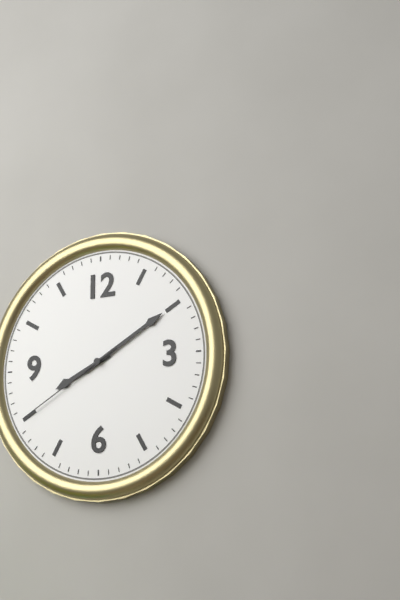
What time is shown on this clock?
8:10:40
